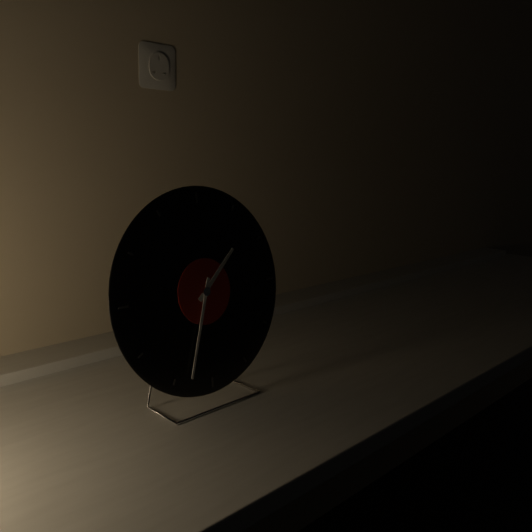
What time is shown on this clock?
1:33
